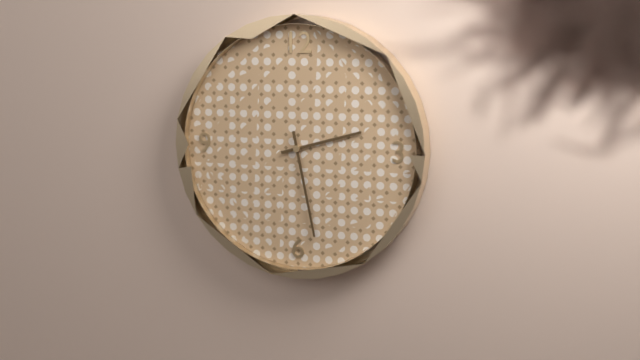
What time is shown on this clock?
2:28
